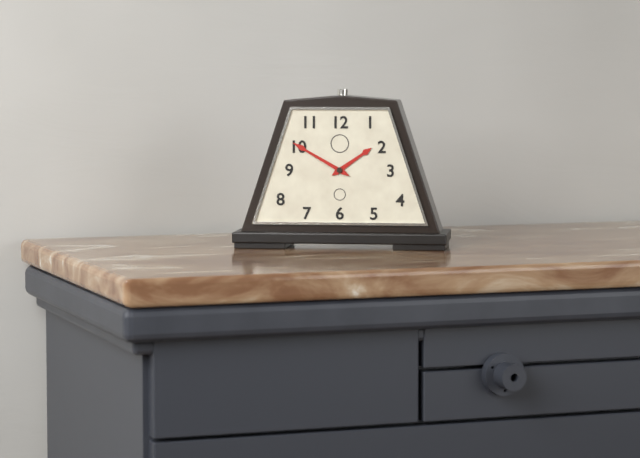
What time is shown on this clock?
1:50
